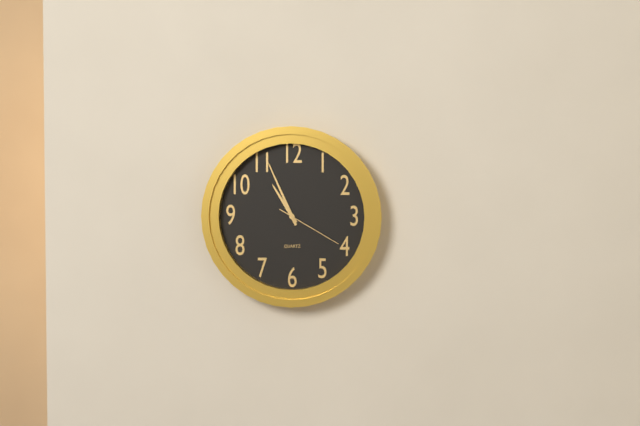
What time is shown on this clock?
10:56:20
